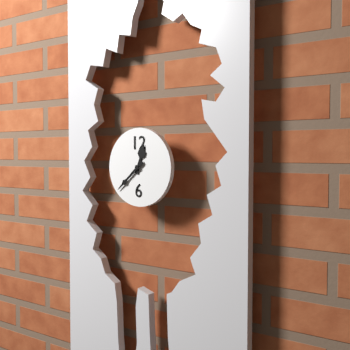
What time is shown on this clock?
12:38
